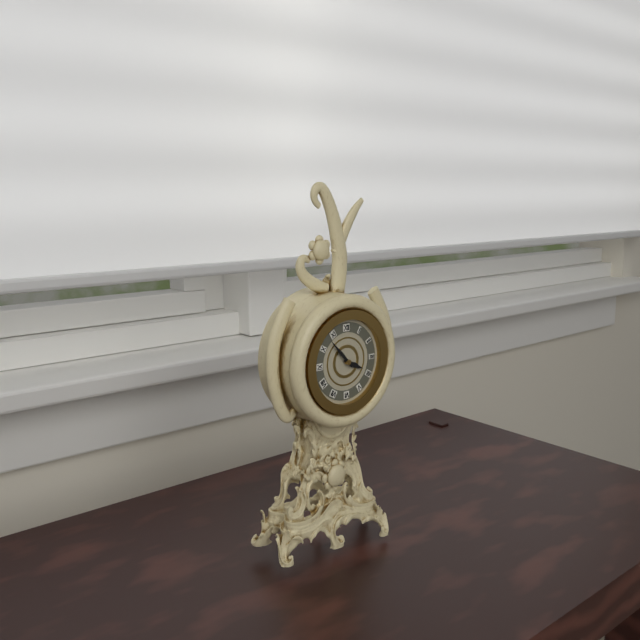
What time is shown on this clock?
3:53
